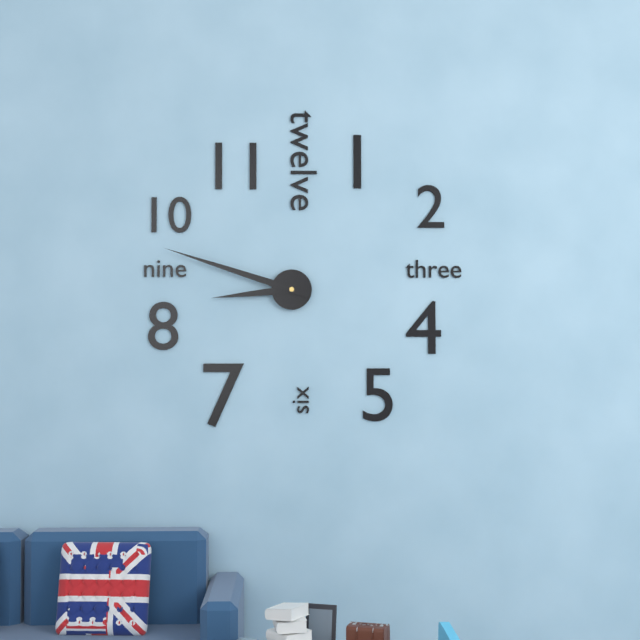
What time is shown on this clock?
8:48
